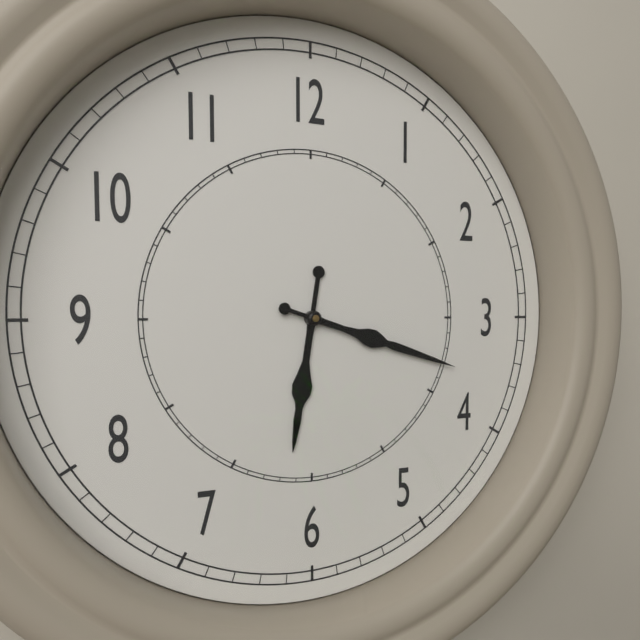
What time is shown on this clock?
6:18
